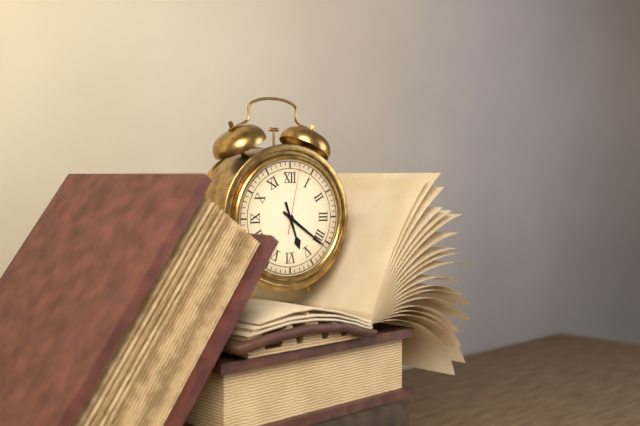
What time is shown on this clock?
5:21:02
